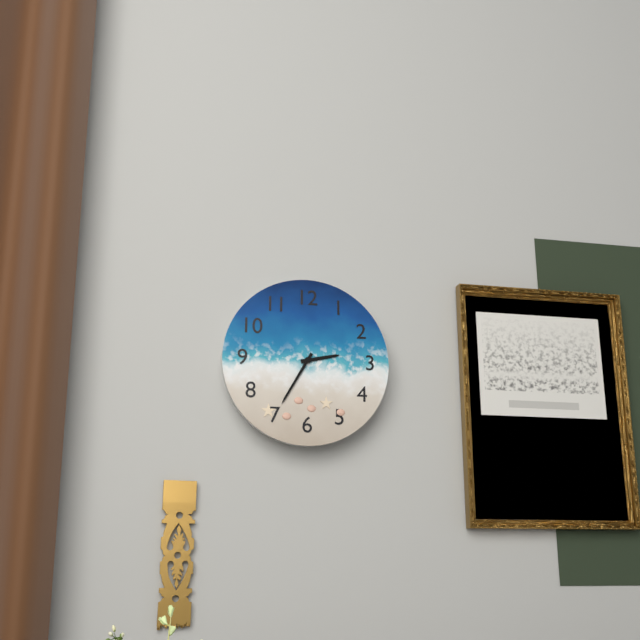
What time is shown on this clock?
2:35
